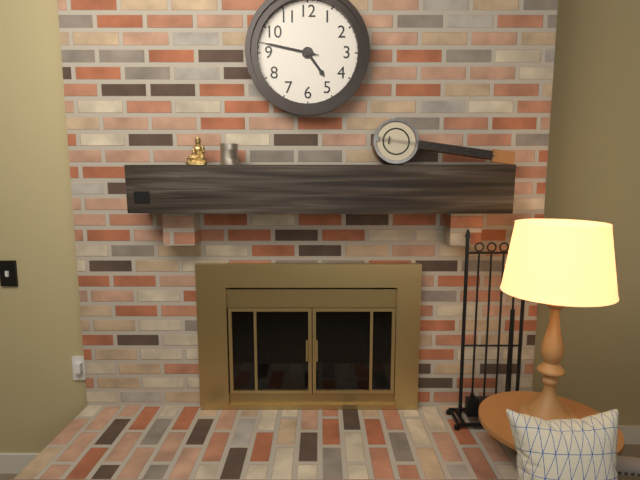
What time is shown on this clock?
4:47:47
